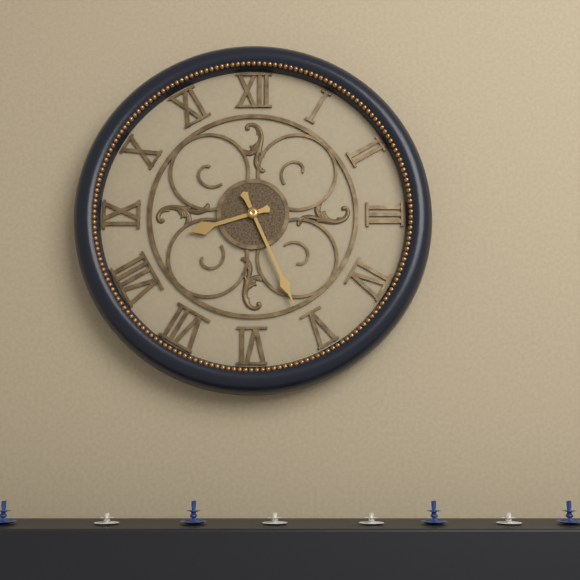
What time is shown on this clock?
8:26
